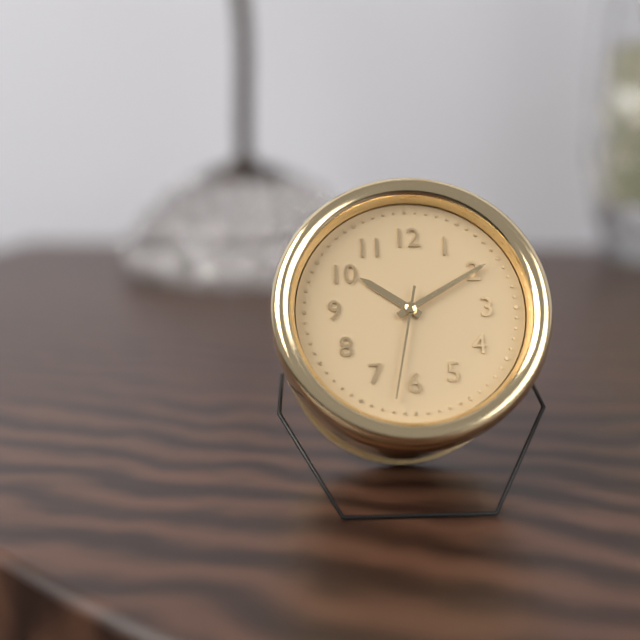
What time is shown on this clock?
10:10:32
